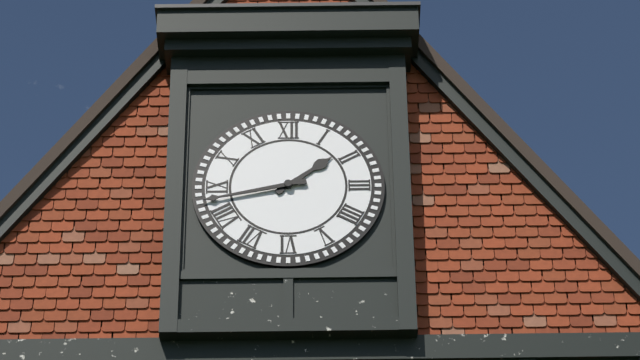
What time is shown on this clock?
1:43
